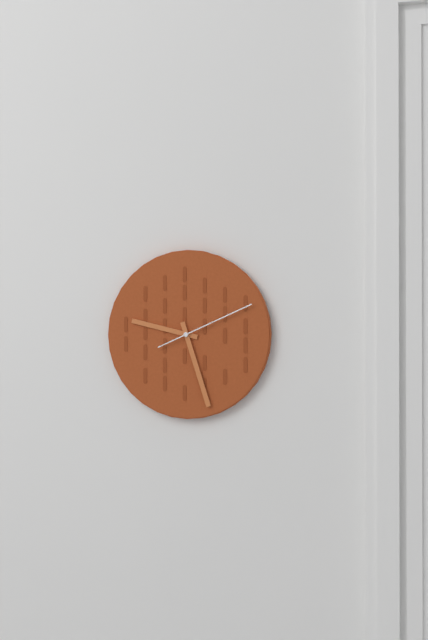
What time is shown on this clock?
9:27:11
